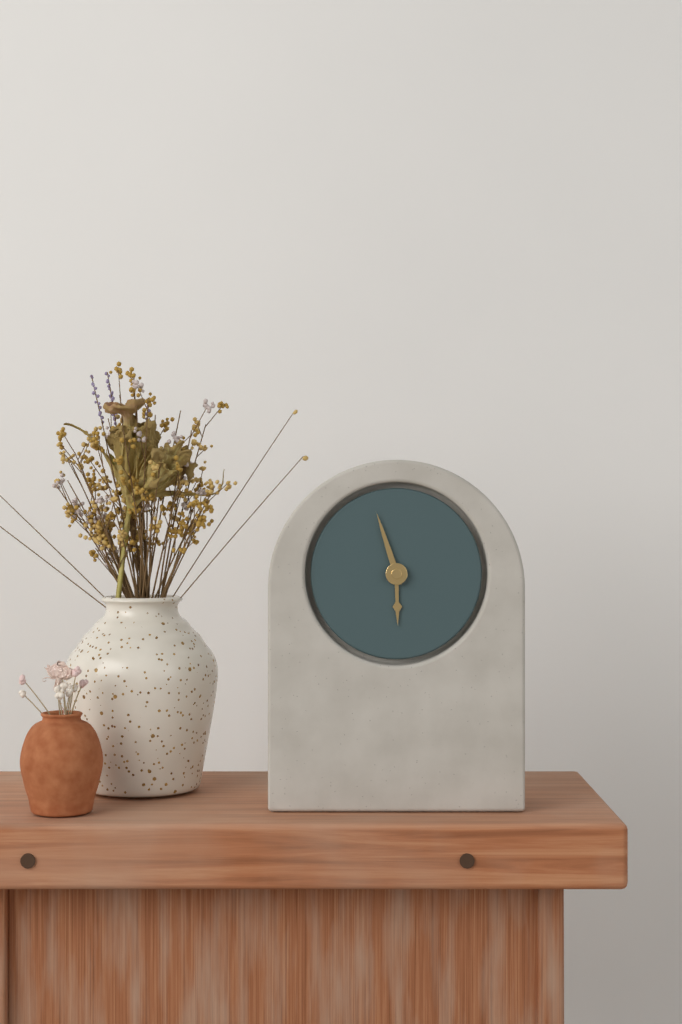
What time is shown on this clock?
5:57
